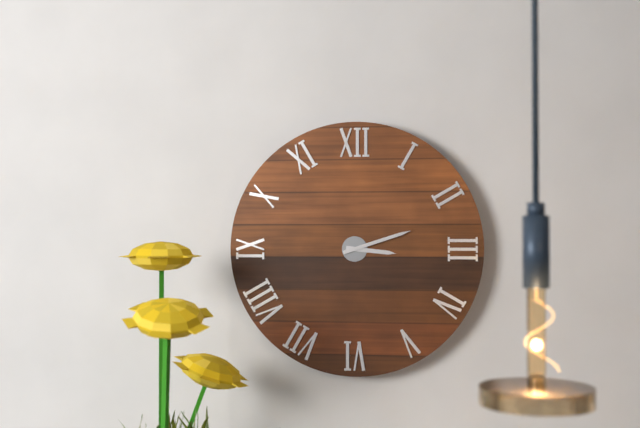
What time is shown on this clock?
3:12
